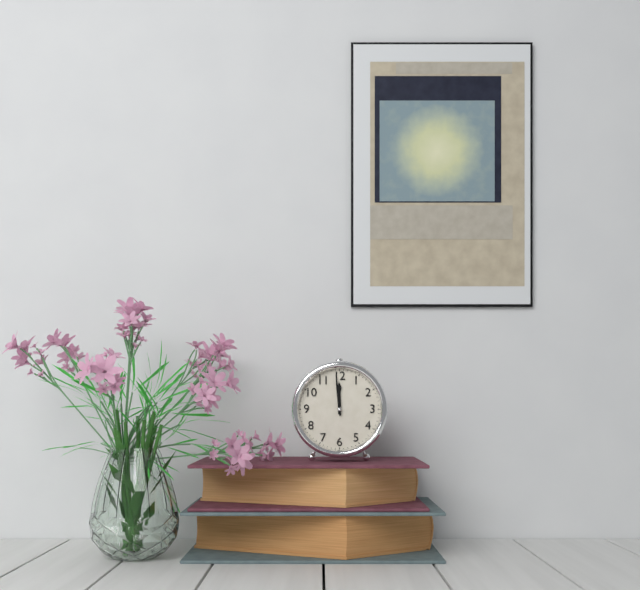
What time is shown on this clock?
11:59
